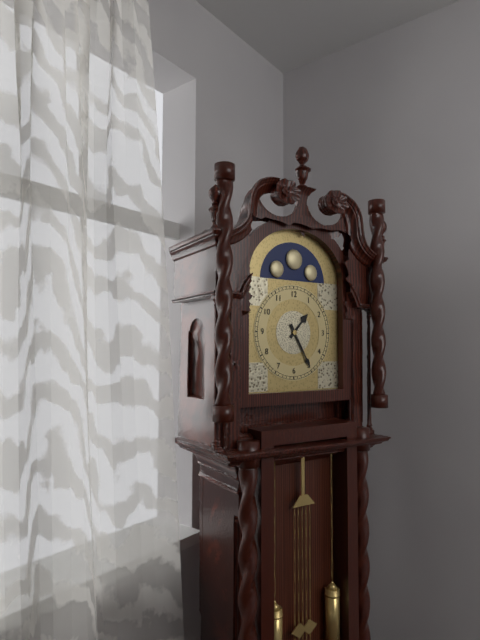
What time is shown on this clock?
1:25
